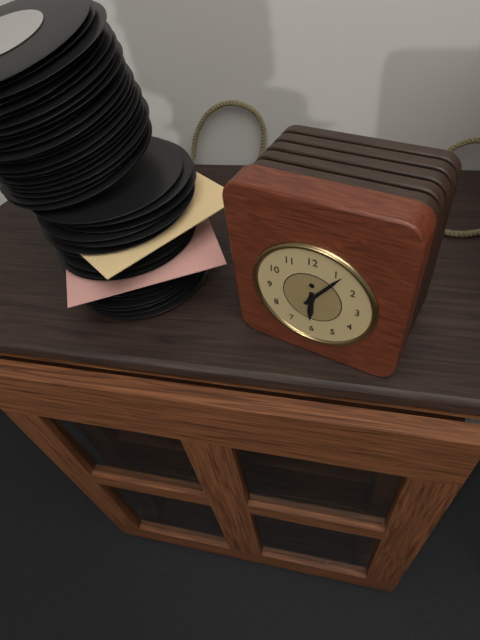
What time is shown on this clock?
6:06
